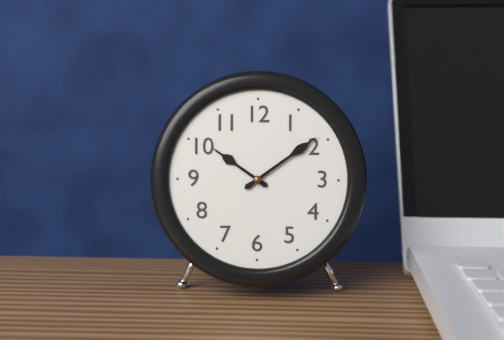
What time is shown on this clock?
10:09
